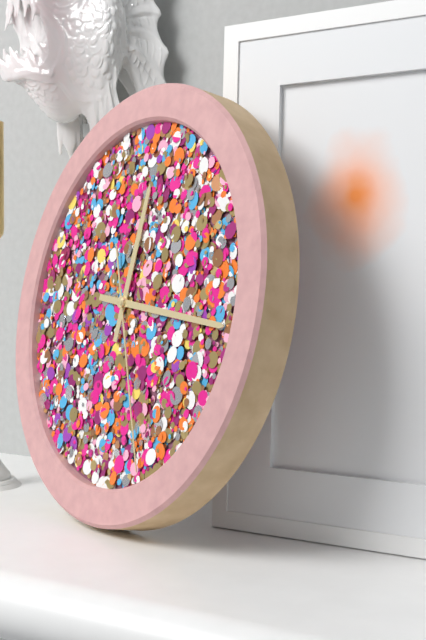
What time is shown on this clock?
12:16:26
